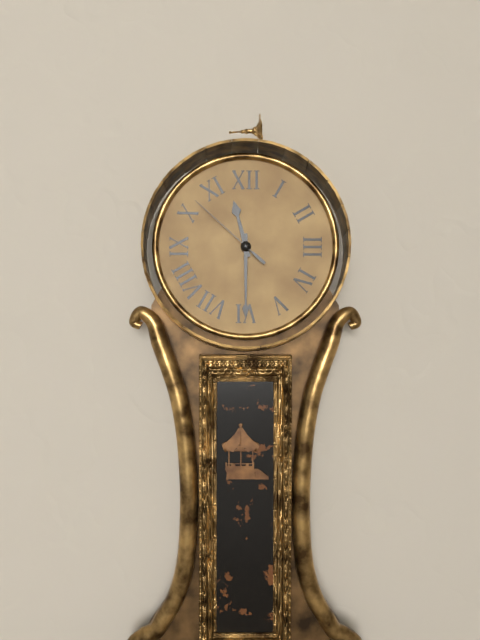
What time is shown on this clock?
11:30:52
